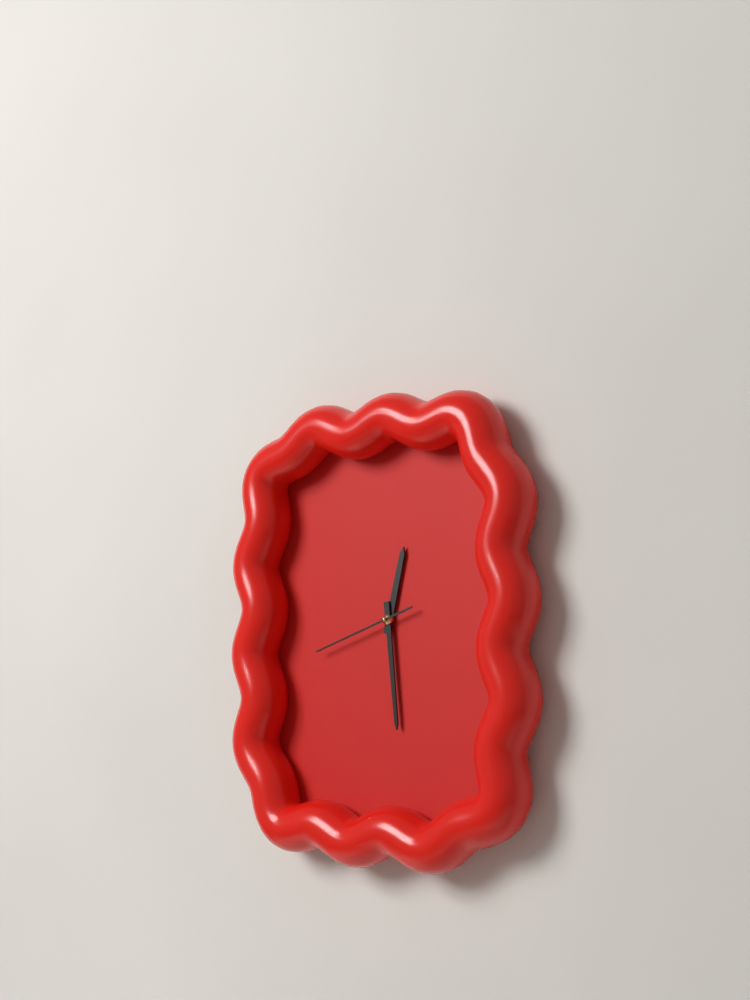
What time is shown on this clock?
12:29:42
